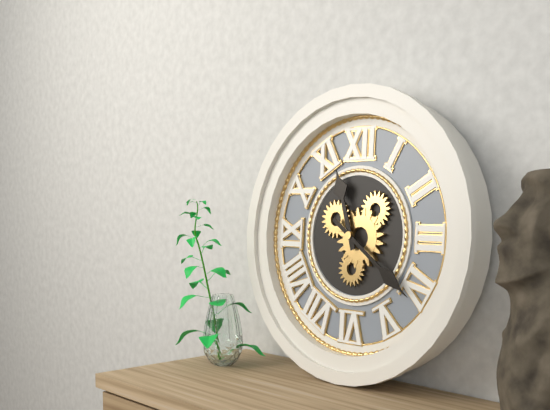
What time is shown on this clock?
11:21
